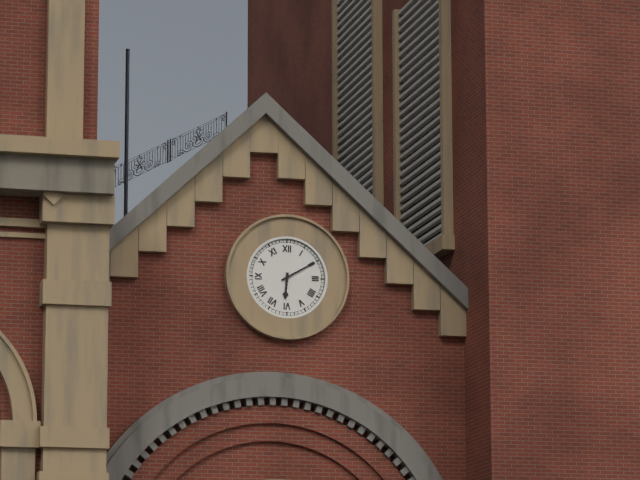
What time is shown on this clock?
6:10
